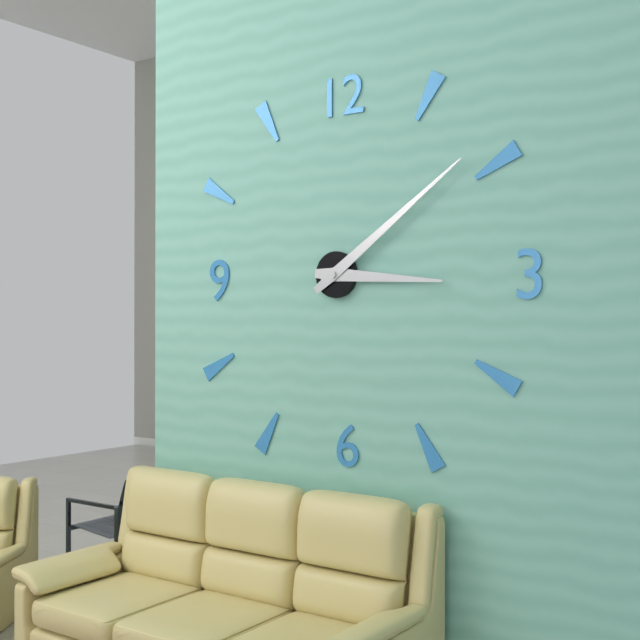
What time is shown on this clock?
3:09
